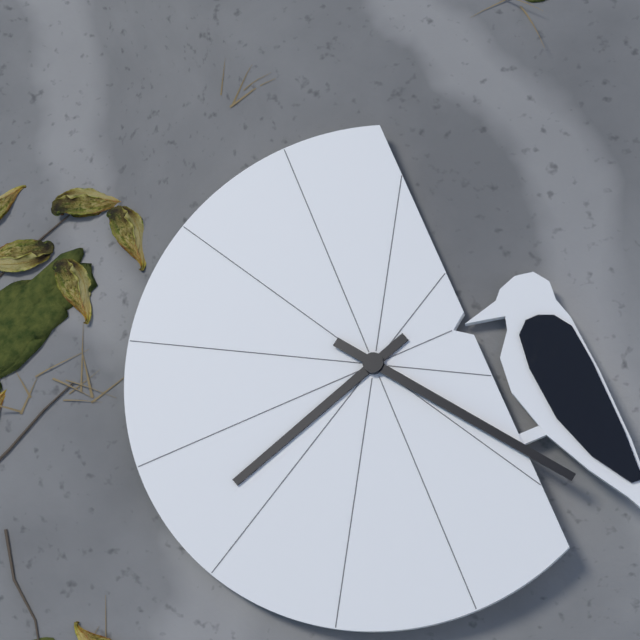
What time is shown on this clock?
8:24
